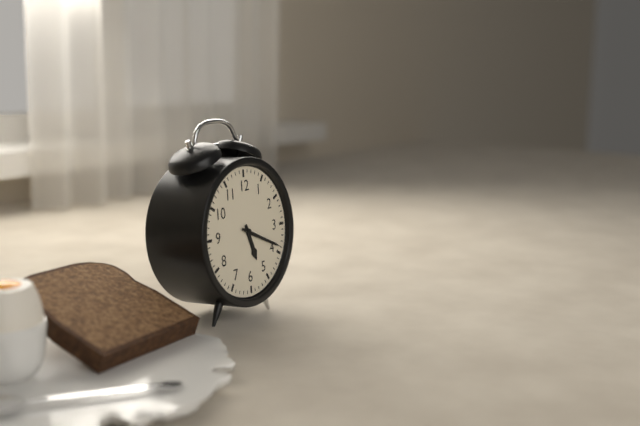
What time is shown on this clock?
5:19
